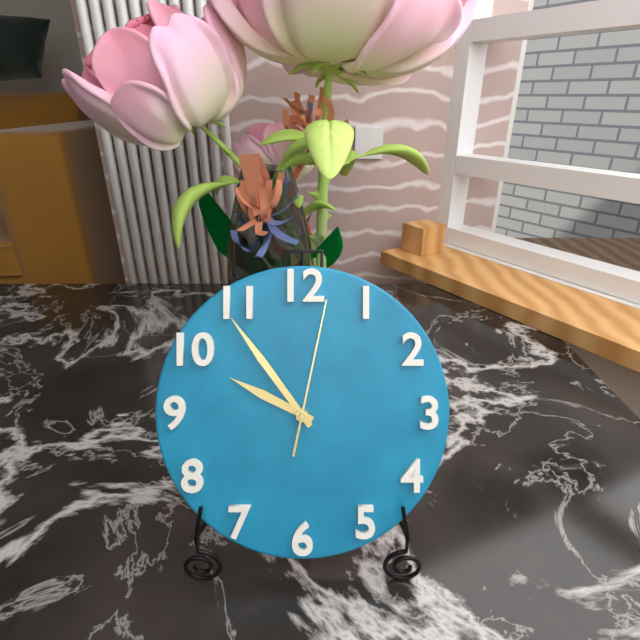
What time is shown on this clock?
9:54:02
